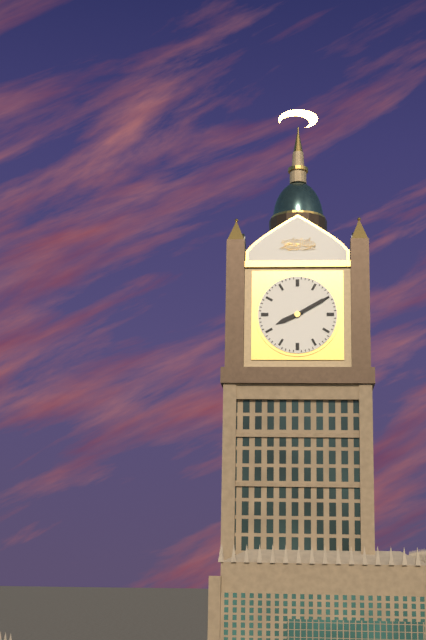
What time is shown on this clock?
8:10
